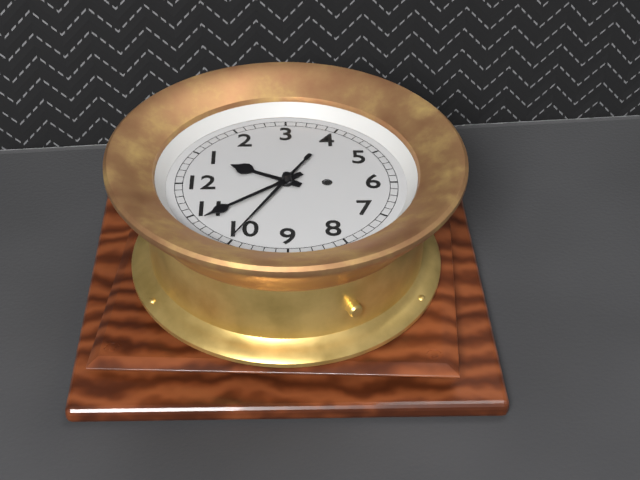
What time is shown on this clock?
12:54:50
